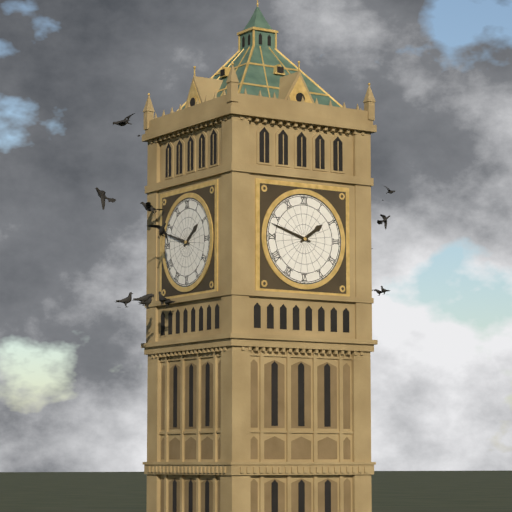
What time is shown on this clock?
1:48
